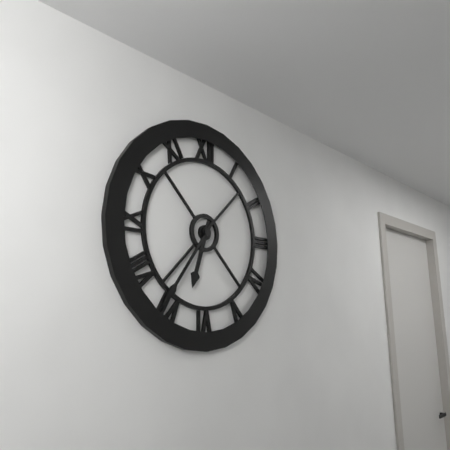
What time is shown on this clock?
6:36
